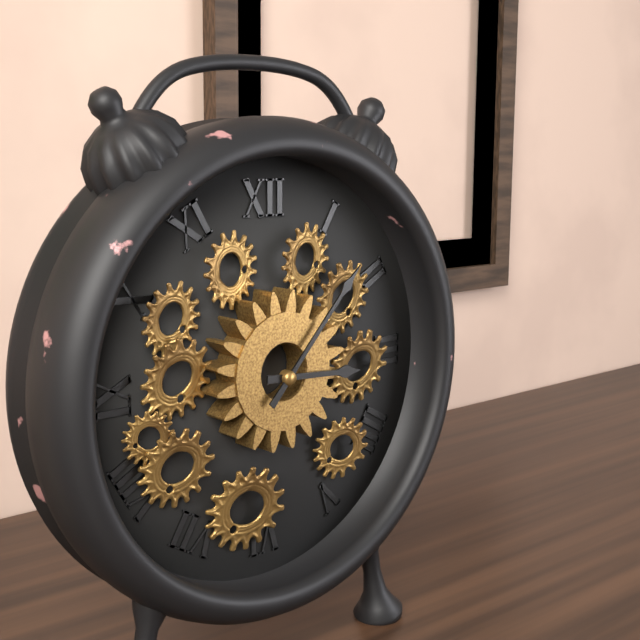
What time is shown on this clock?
3:07
